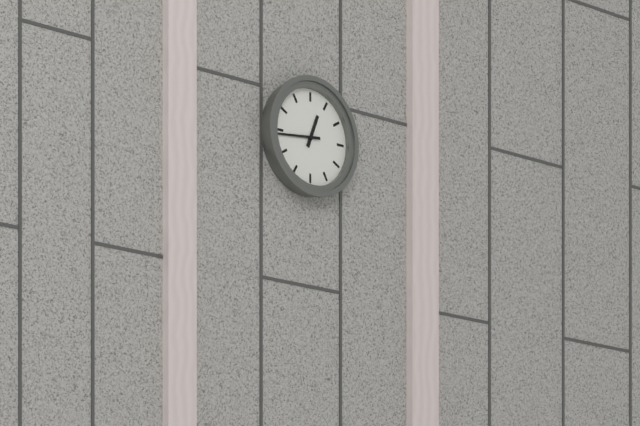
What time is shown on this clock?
12:44
